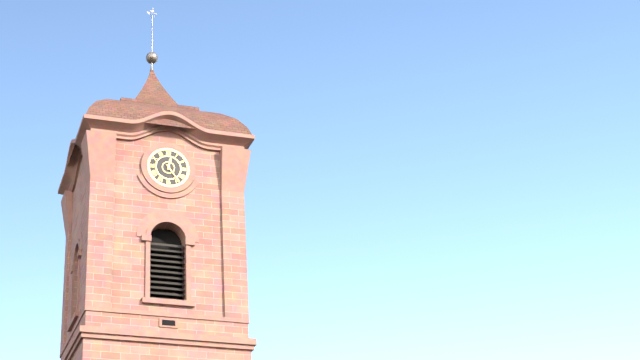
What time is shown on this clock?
12:24
